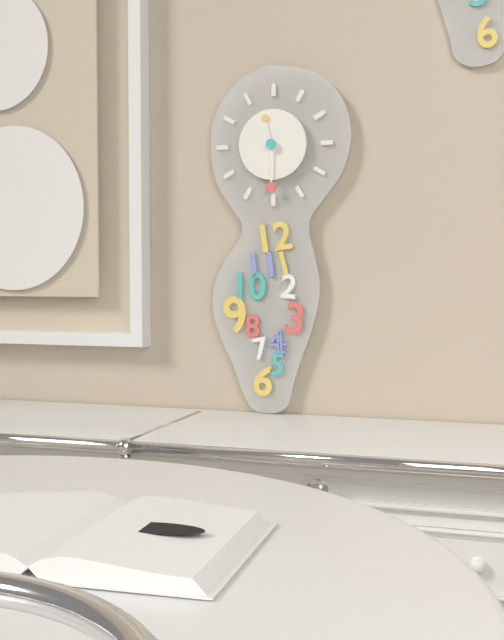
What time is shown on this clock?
11:30
